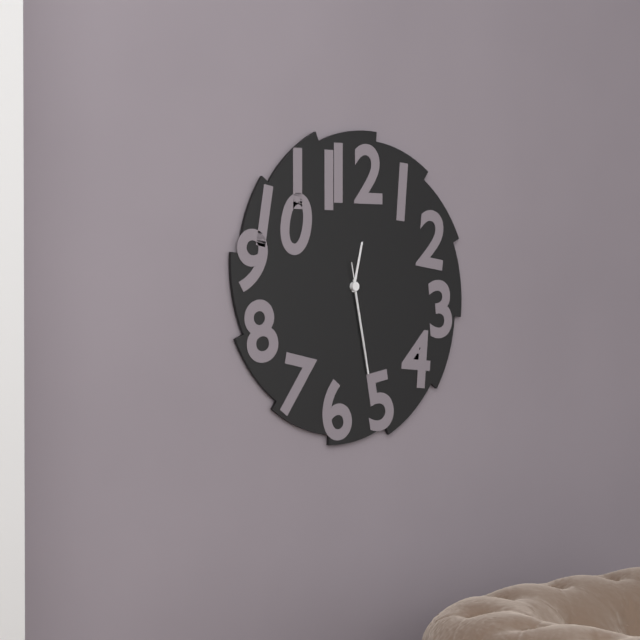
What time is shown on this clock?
12:28:28
